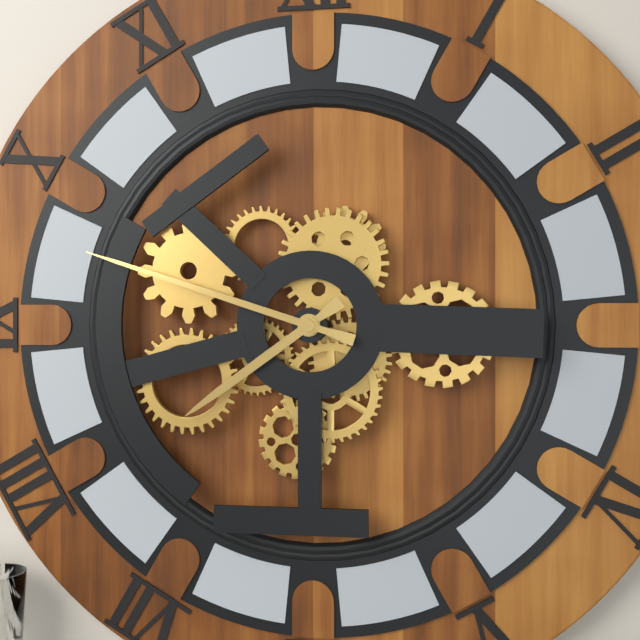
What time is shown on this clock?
7:48
